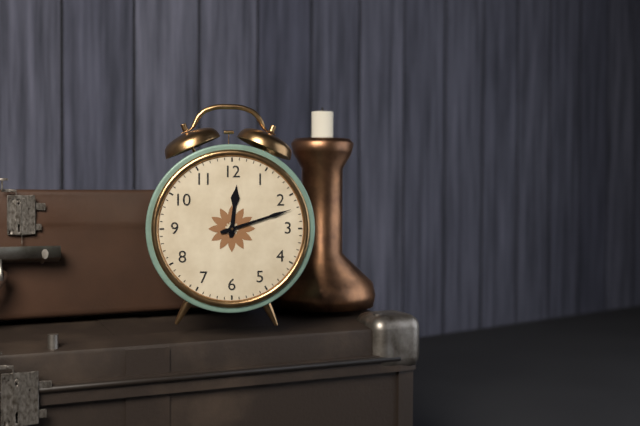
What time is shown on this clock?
12:12
